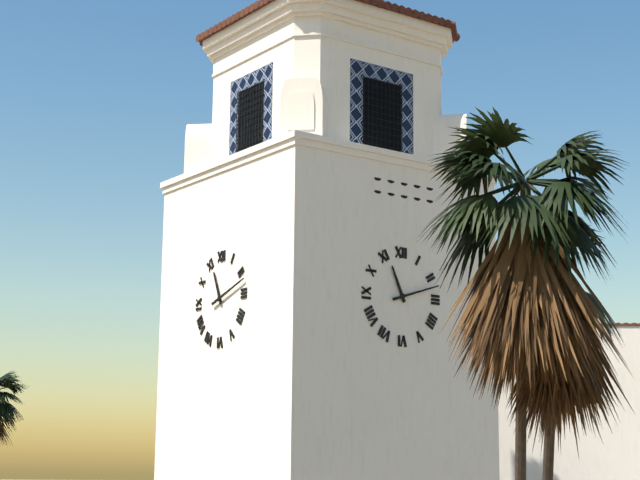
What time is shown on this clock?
11:12
